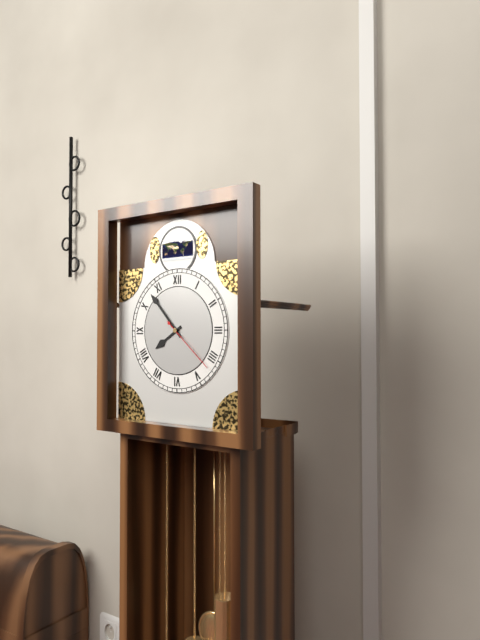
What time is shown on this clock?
7:53:22
